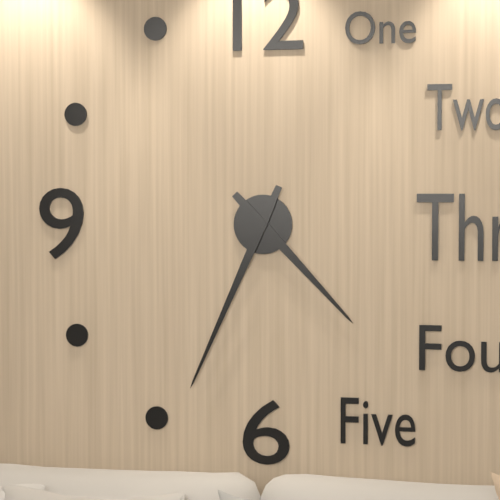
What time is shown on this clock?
4:34
